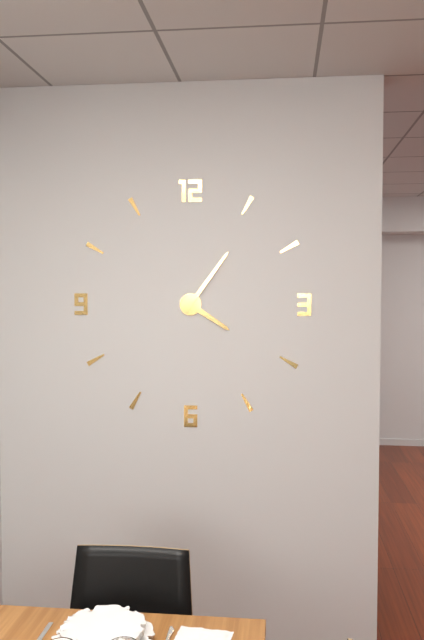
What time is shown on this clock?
4:06
